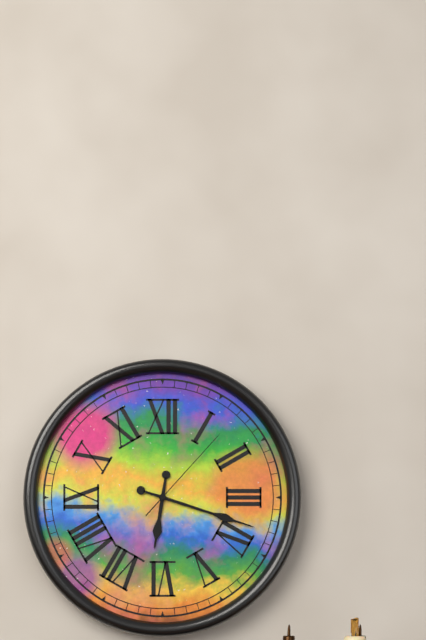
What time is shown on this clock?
6:18:07
